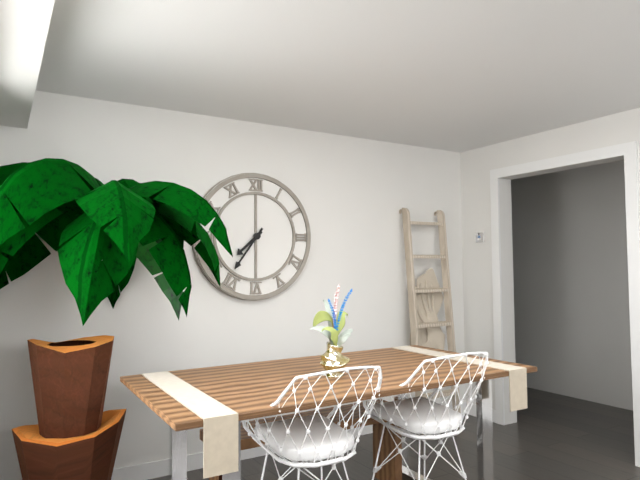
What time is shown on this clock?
7:36
